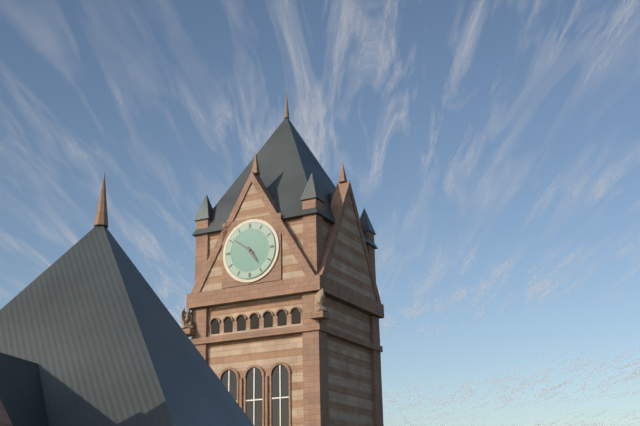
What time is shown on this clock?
4:51
